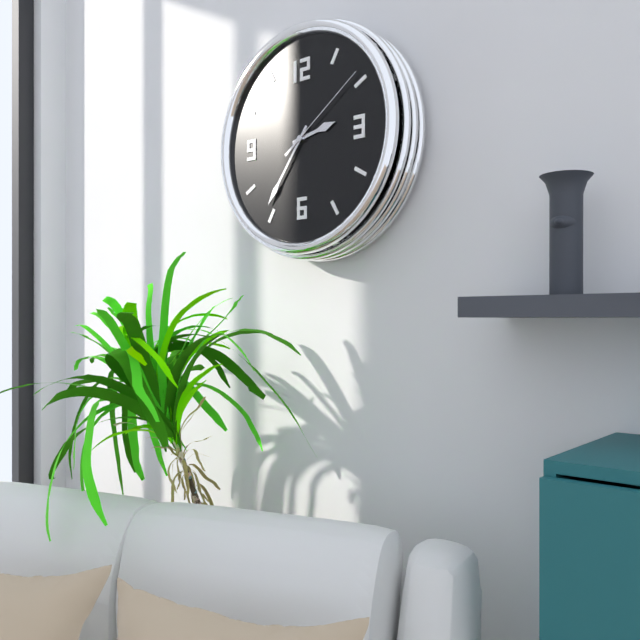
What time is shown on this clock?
2:36:09
